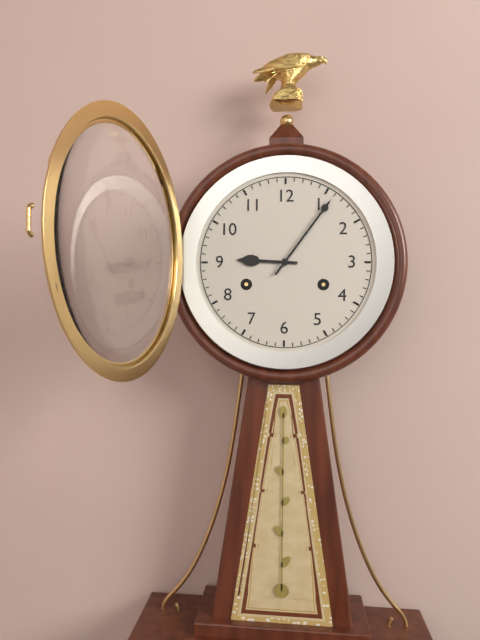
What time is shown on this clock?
9:06
